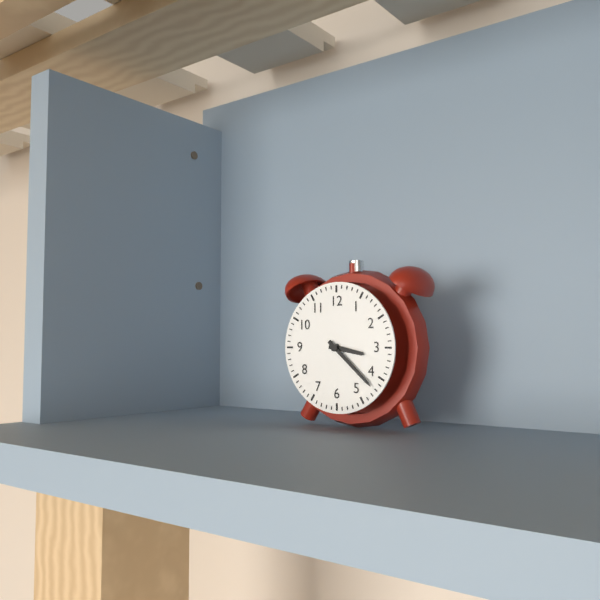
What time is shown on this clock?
3:22
